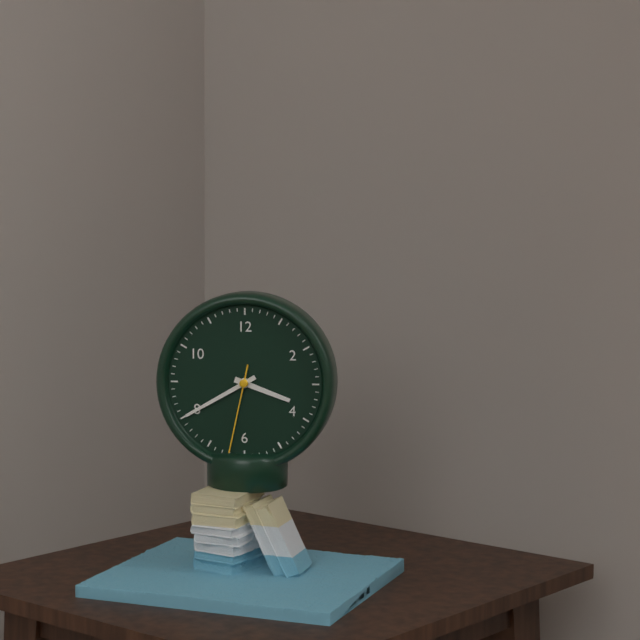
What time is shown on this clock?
3:40:32
